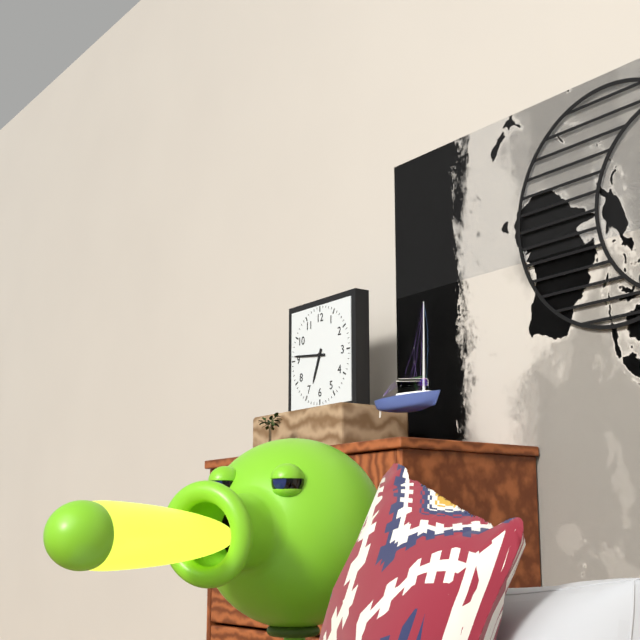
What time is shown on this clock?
6:46
